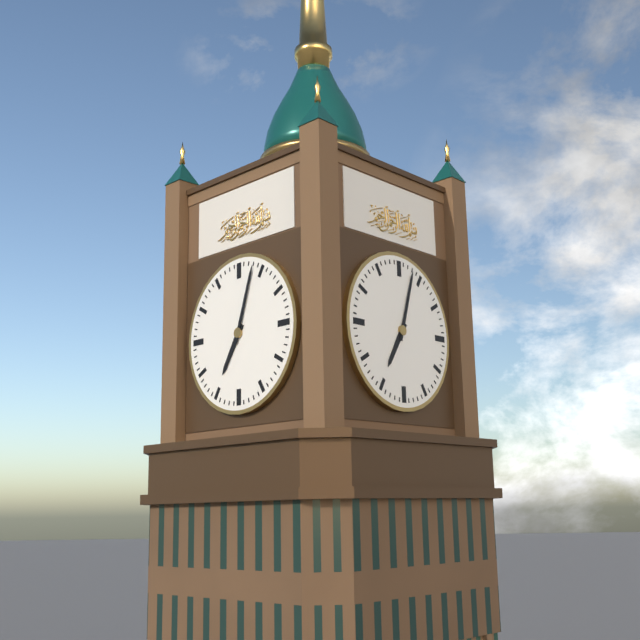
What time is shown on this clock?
7:03
